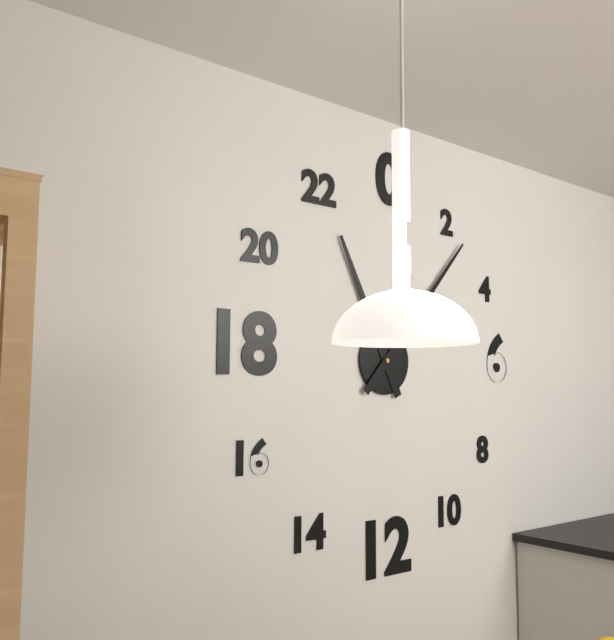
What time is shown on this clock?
11:07
